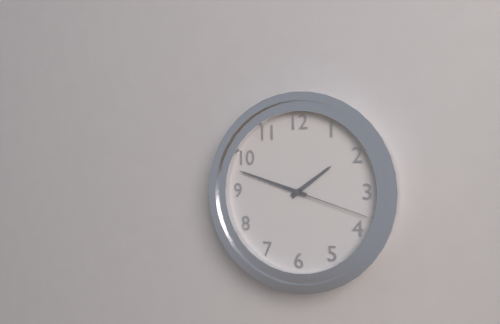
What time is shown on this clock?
1:48:18
